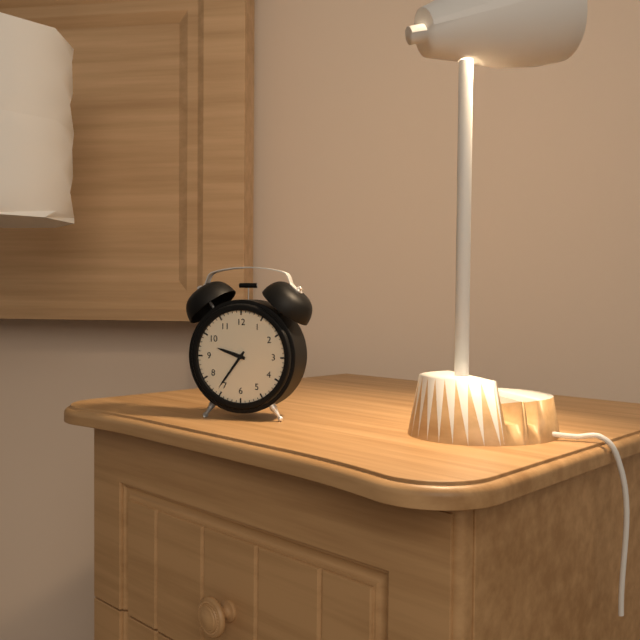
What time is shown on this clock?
9:36
